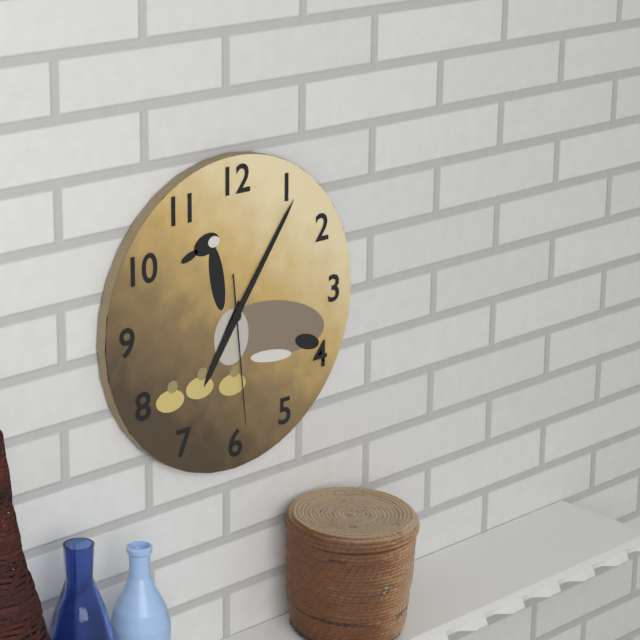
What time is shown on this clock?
7:06:29
